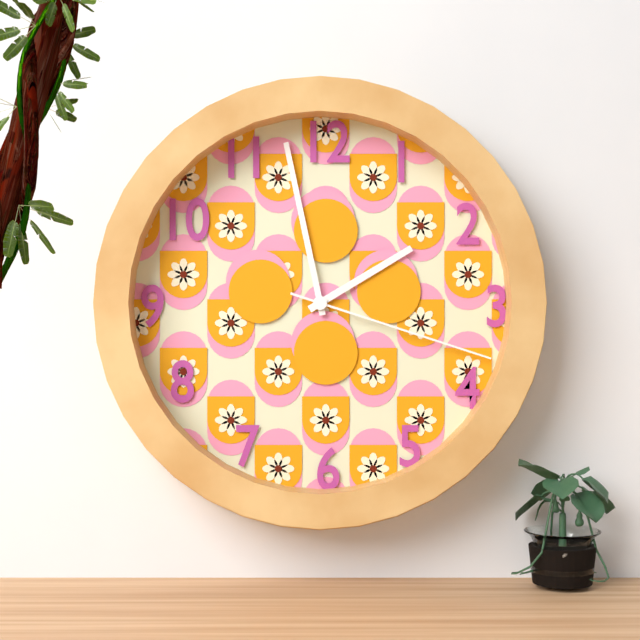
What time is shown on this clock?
1:58:18
